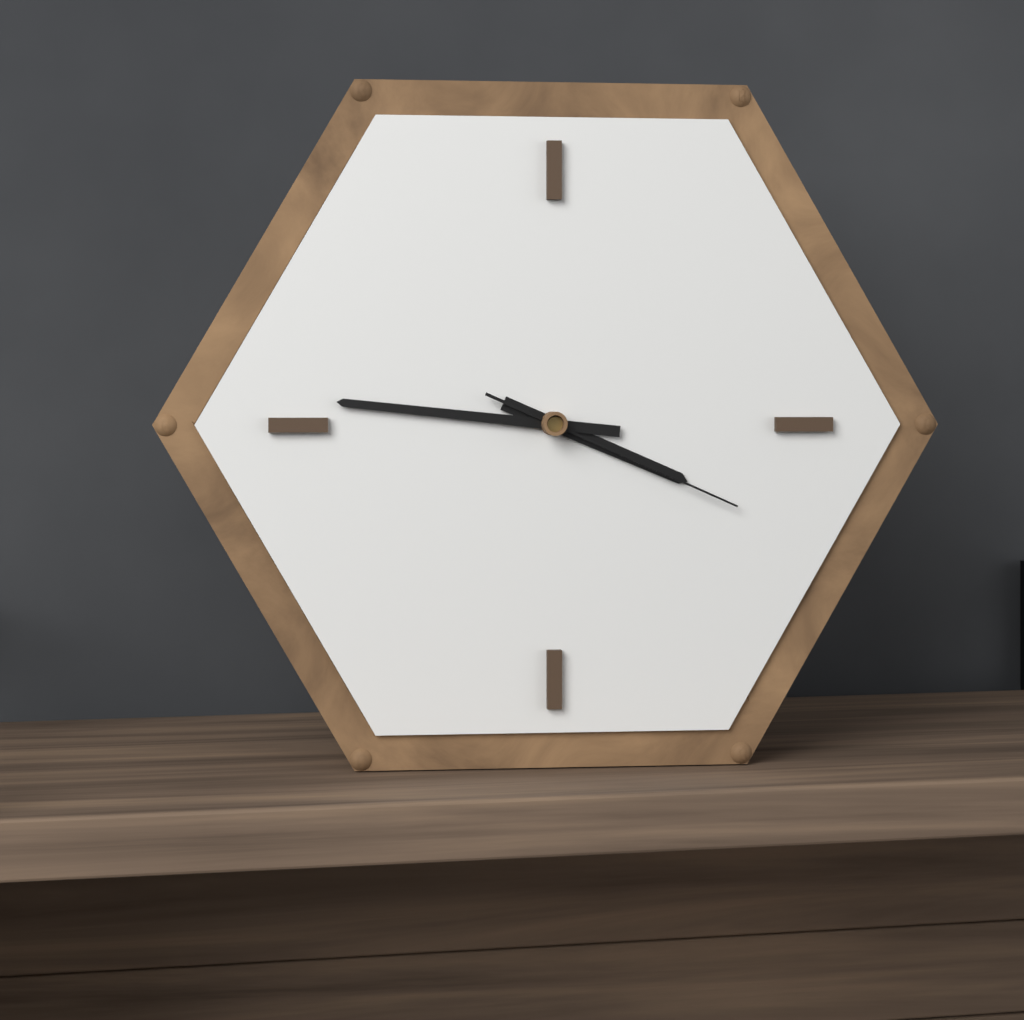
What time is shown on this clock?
3:46:19
